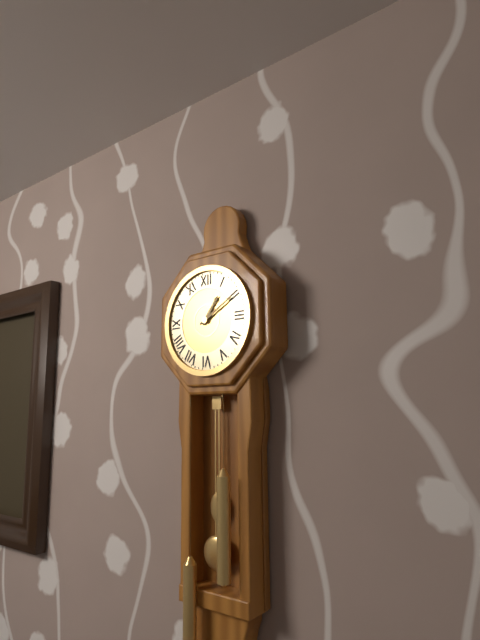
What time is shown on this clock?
1:10
